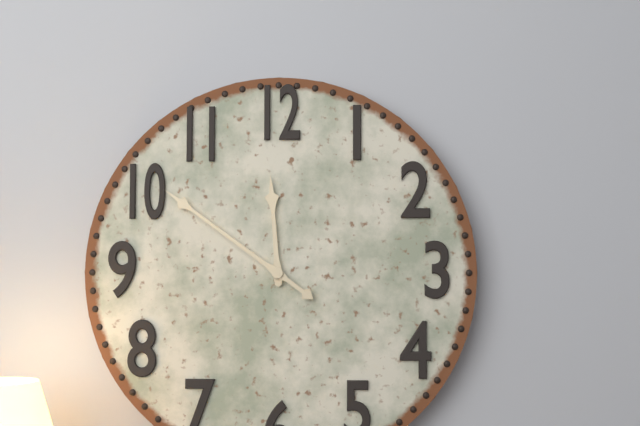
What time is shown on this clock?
11:51
